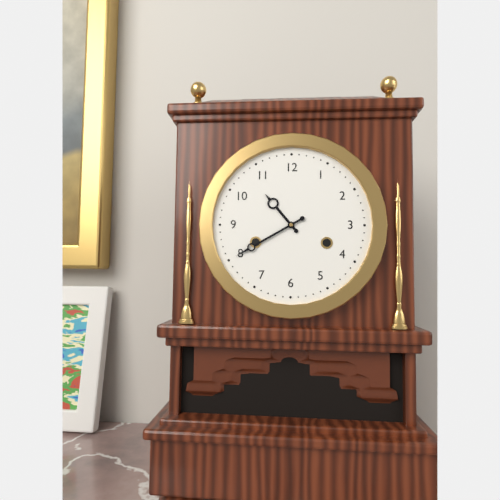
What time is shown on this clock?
10:40
